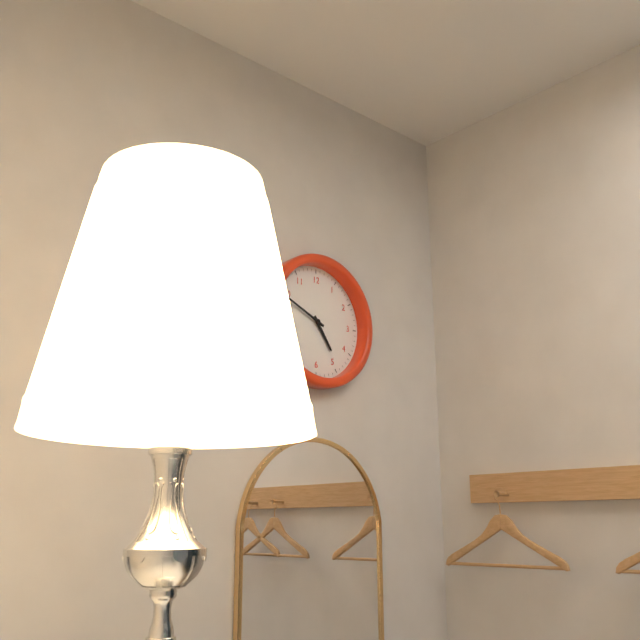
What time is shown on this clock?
4:49
